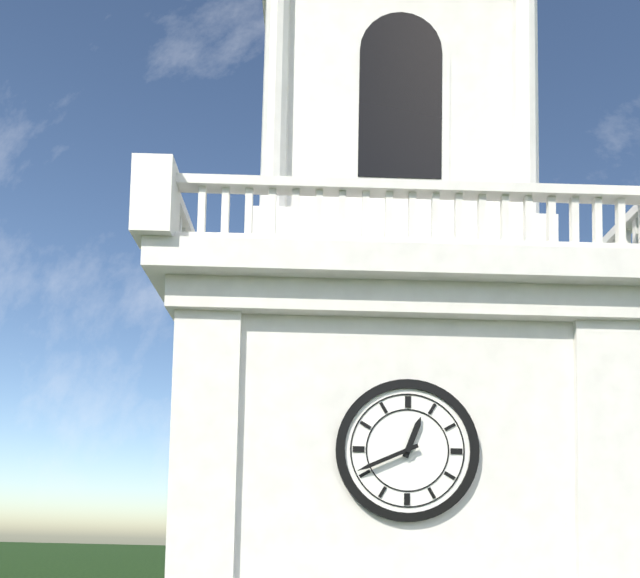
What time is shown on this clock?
12:41
